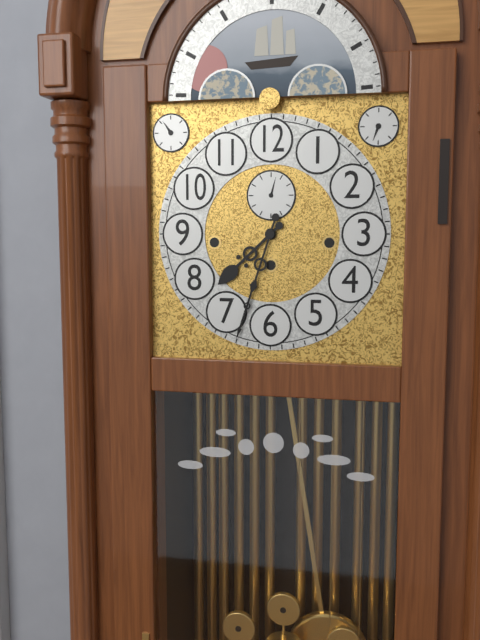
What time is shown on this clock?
7:33
